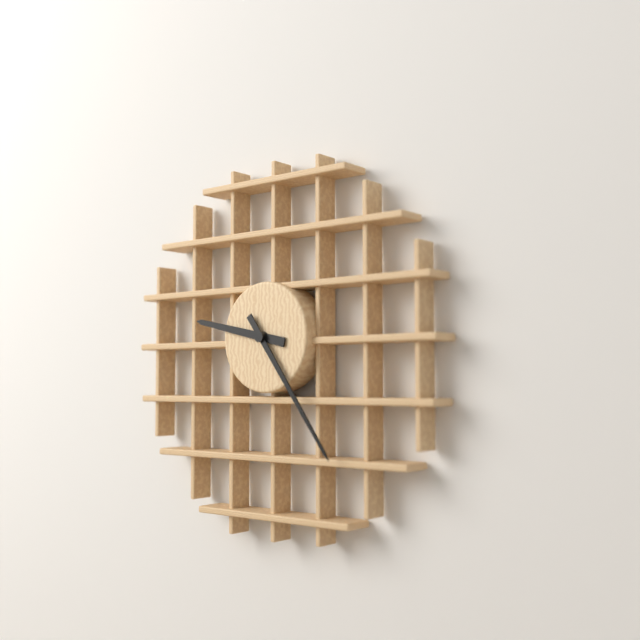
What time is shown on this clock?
9:24
